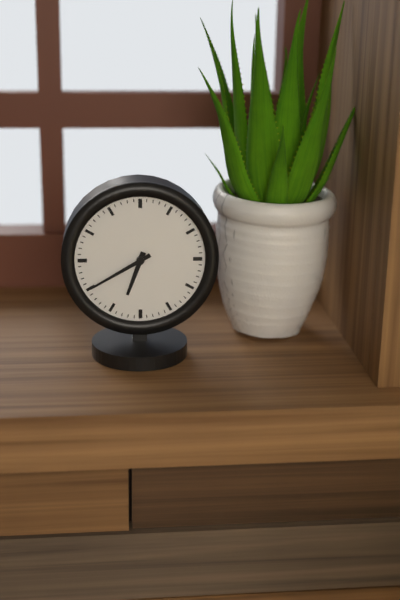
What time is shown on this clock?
6:40
